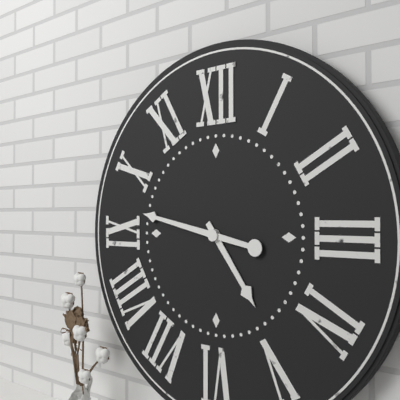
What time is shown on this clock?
4:47
